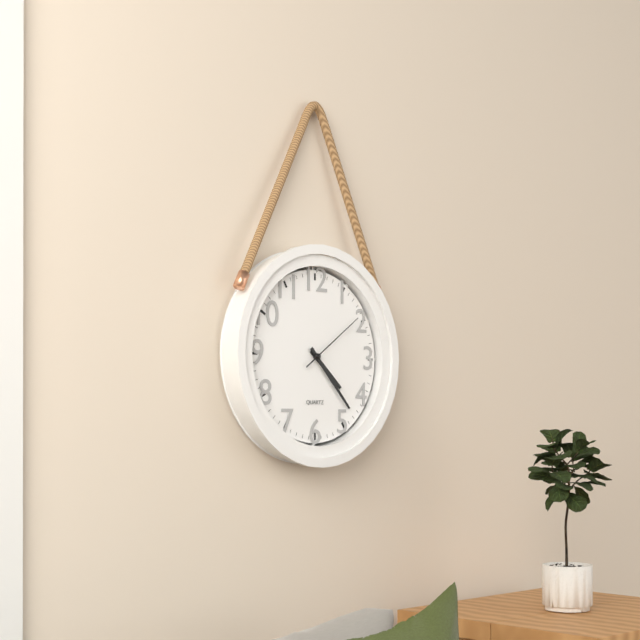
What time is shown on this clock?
4:23:09
